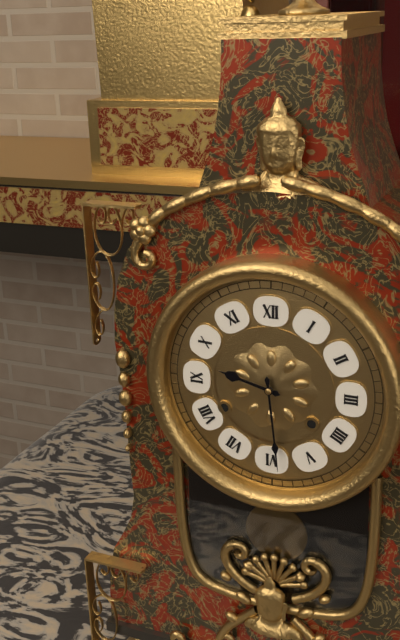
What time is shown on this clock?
9:29
